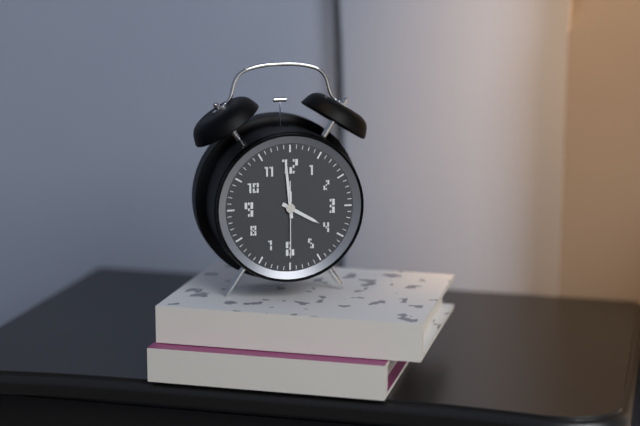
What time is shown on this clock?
3:59:30
